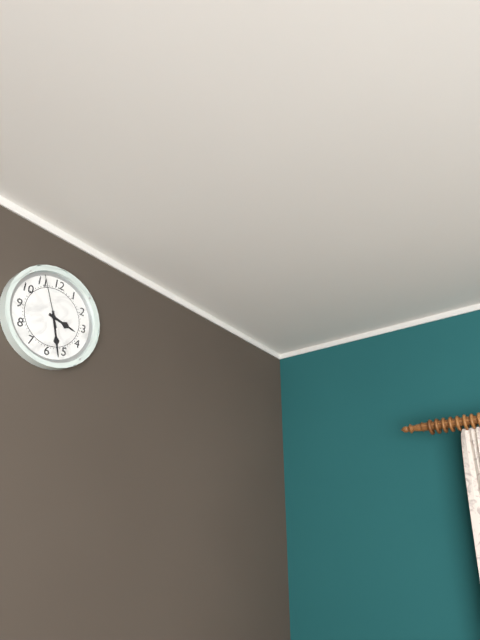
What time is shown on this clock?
3:27:56
